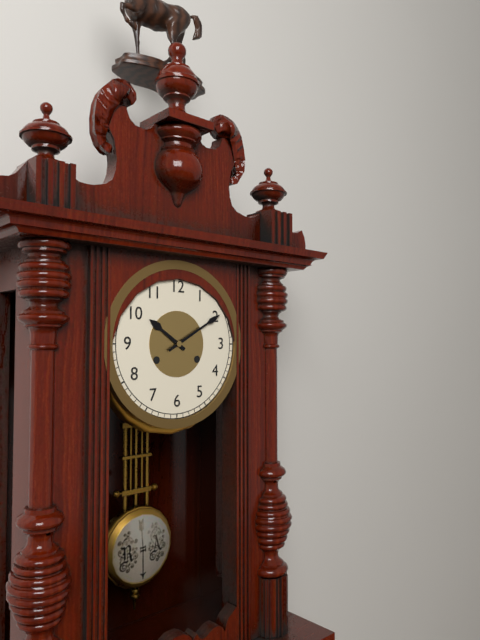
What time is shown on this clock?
10:10
